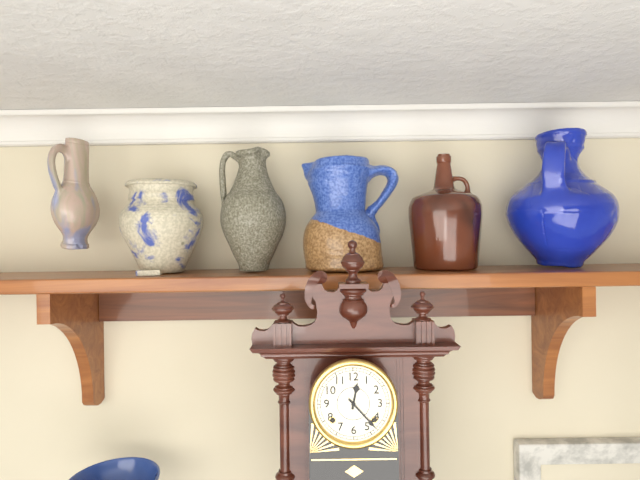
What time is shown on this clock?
12:23
